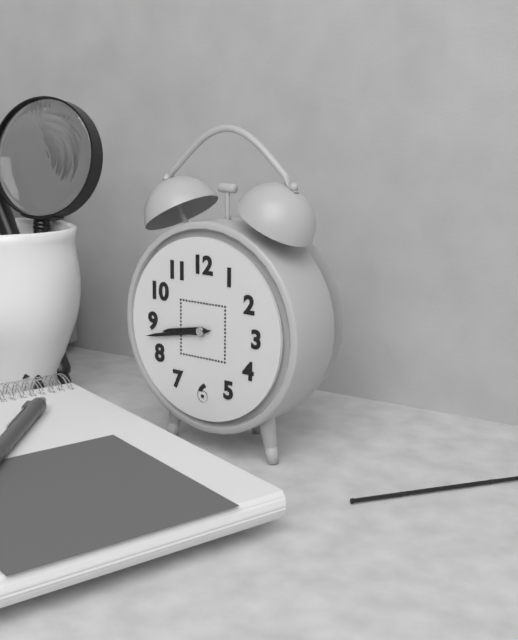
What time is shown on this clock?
8:43
